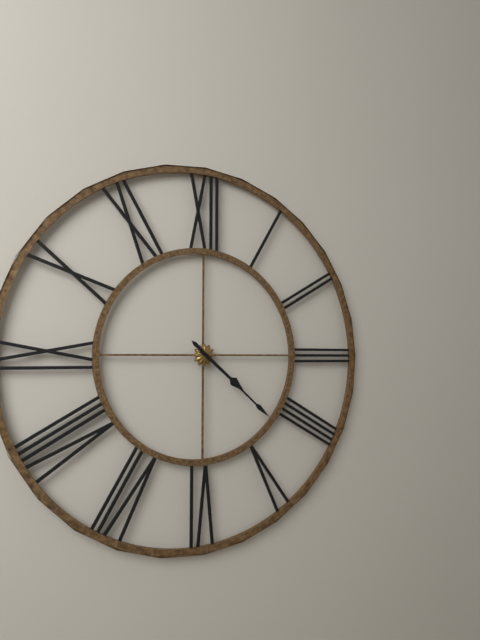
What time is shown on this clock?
4:22
